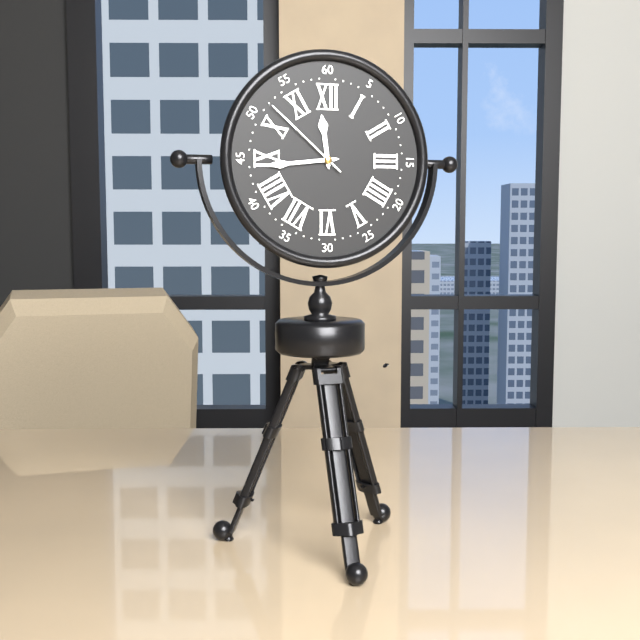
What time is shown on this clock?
11:44:52
